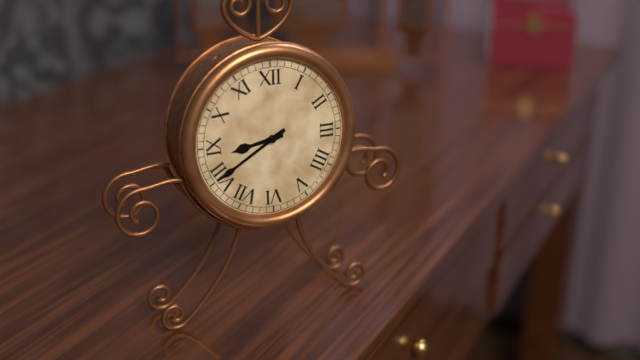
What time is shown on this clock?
8:40
